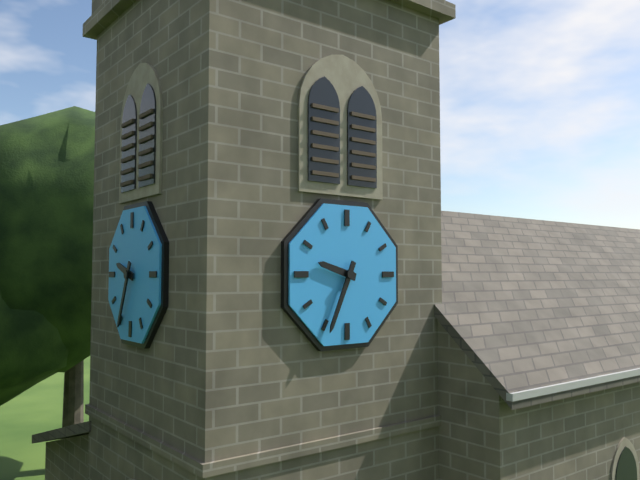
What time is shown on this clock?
9:34
